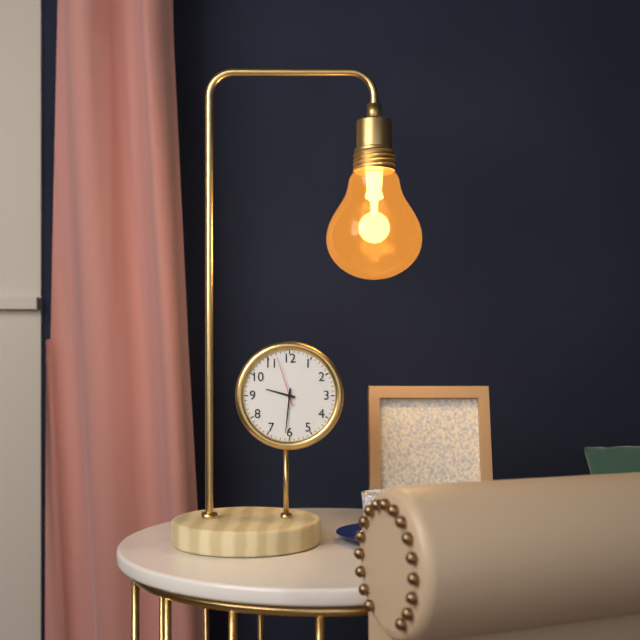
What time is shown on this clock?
9:31:57
